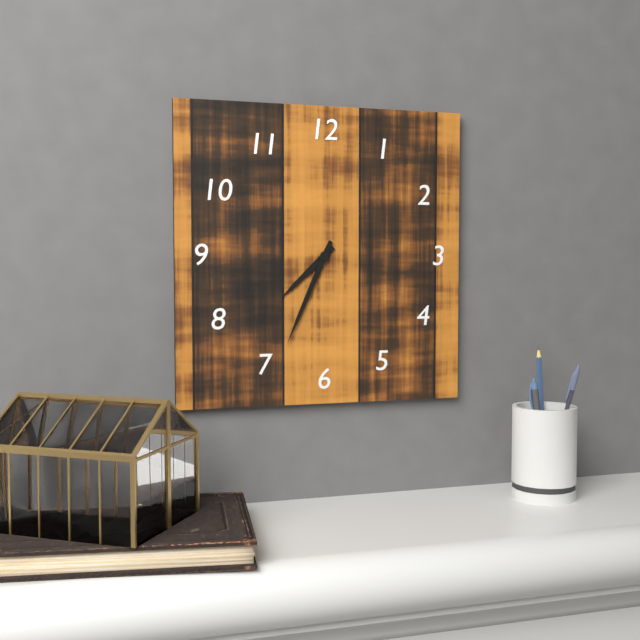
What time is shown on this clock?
7:34
